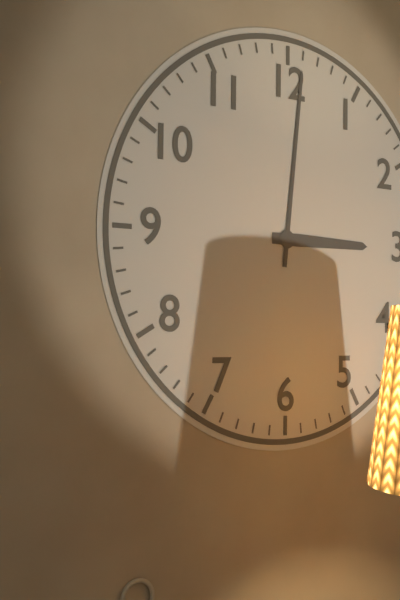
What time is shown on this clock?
3:01
